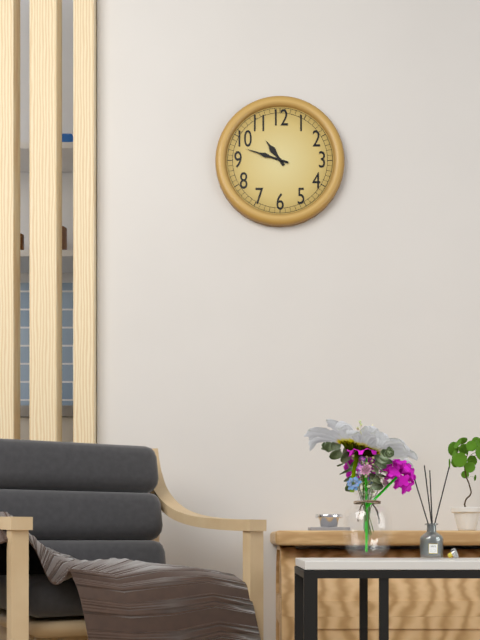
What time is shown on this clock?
10:48
